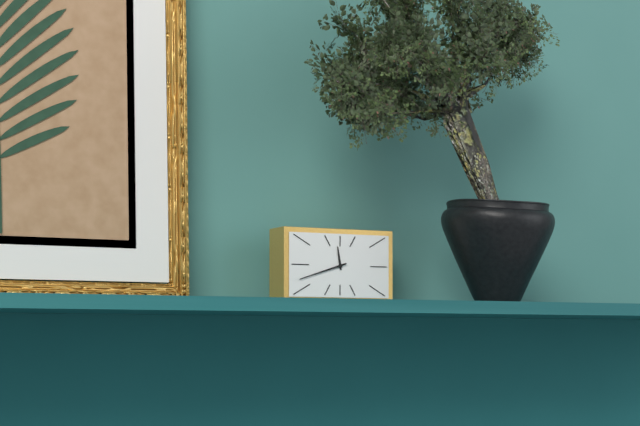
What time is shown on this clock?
11:42
